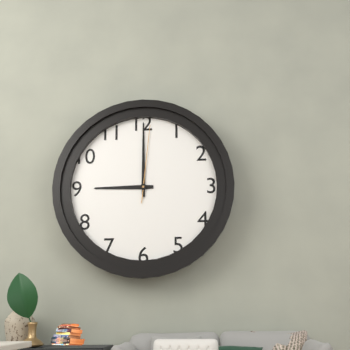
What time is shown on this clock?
9:00:01
